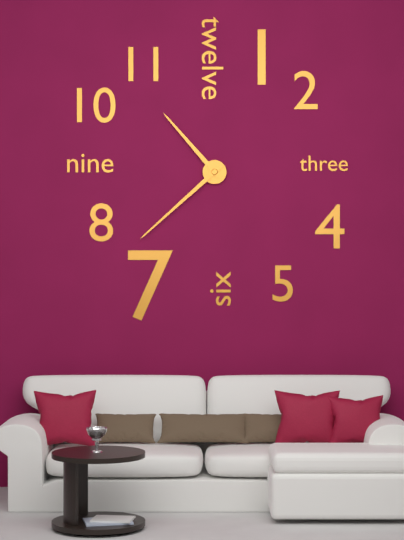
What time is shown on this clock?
10:38
